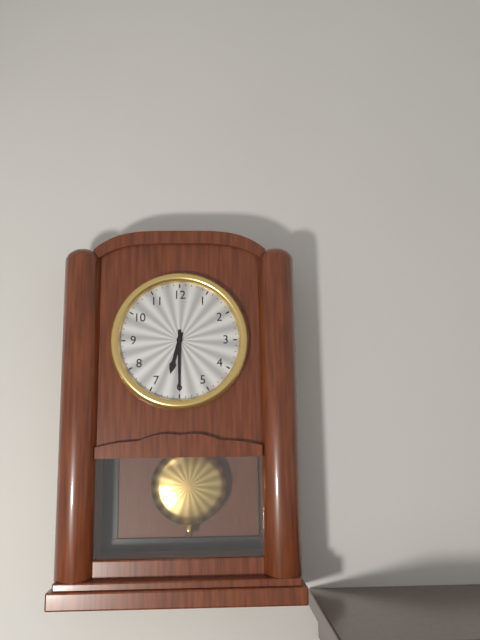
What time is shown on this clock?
6:30
